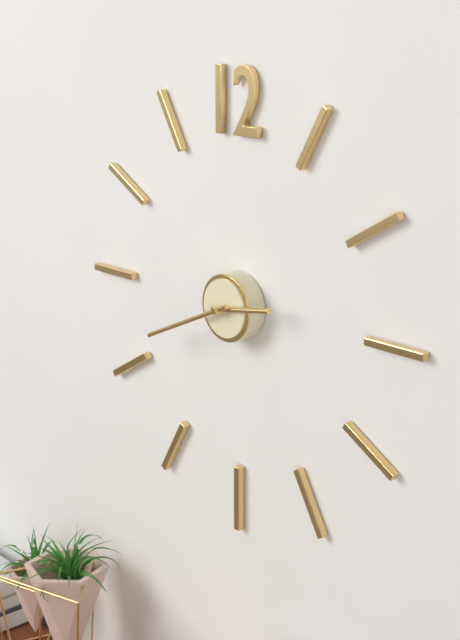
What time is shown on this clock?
2:41
